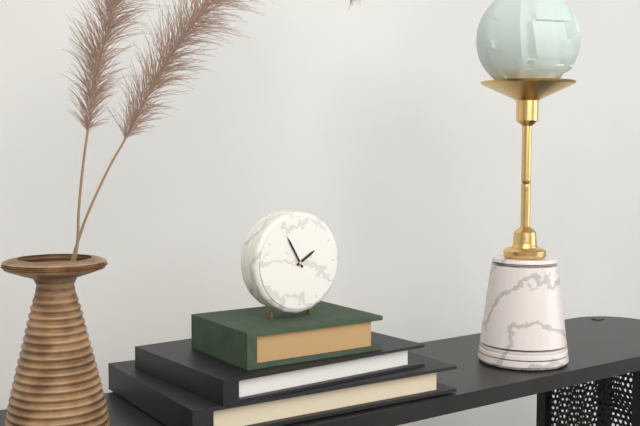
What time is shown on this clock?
1:55
